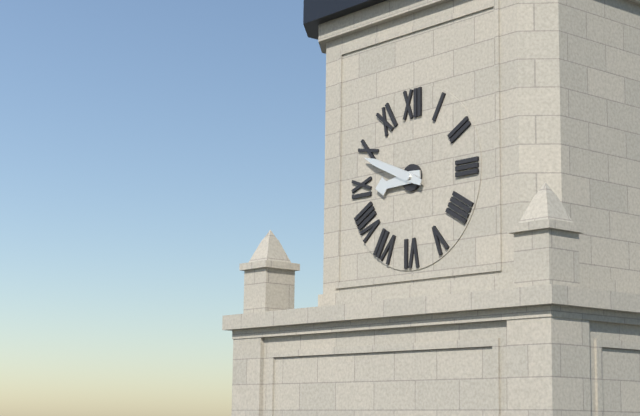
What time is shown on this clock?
8:49
